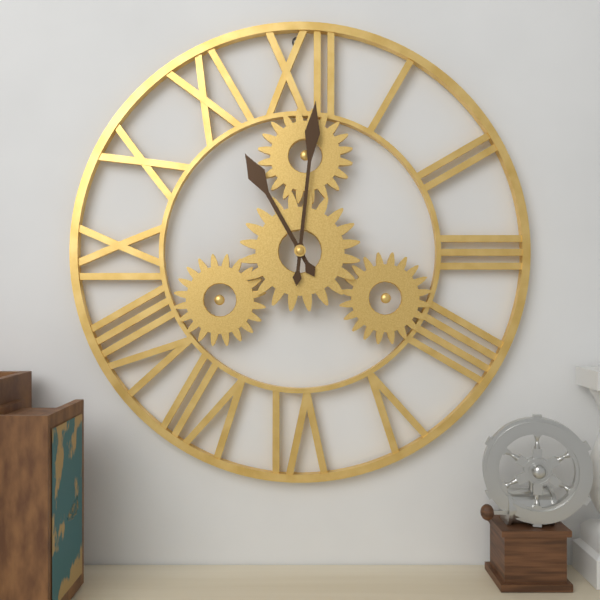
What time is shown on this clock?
11:01
